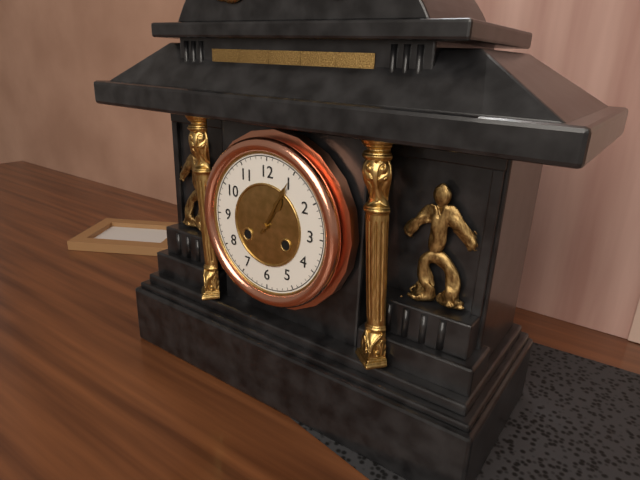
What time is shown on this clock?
1:05
